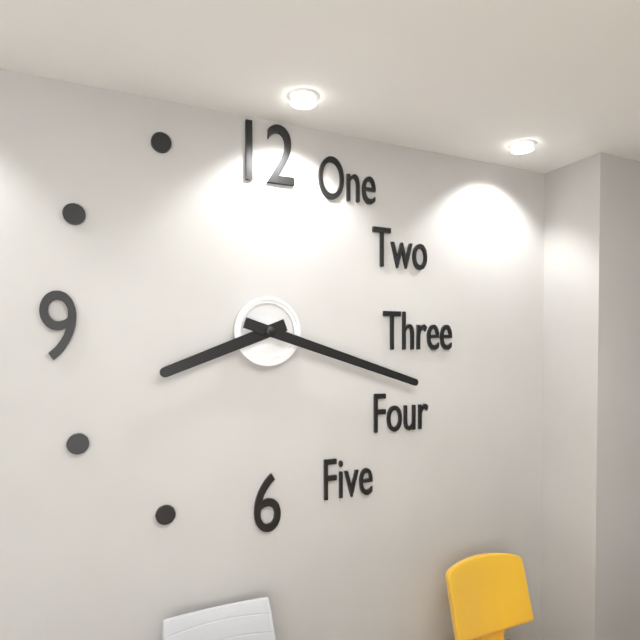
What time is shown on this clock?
8:18
